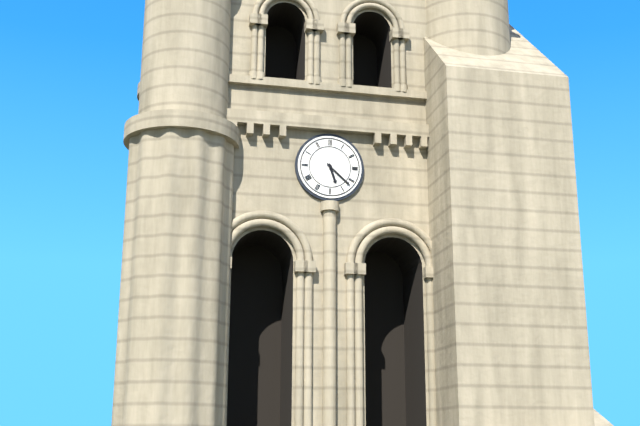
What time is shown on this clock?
5:22
